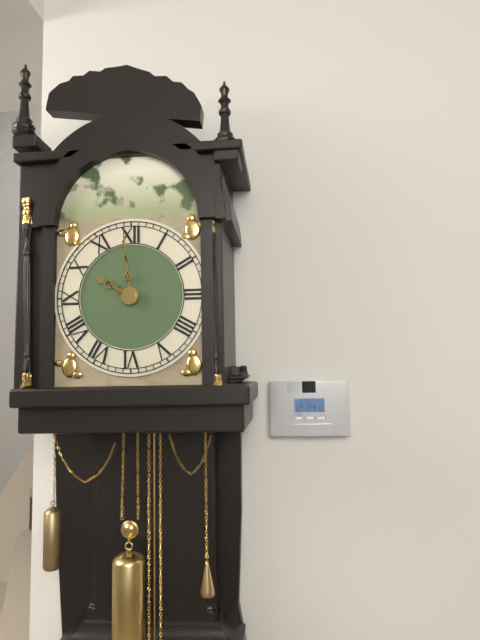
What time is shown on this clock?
9:59
